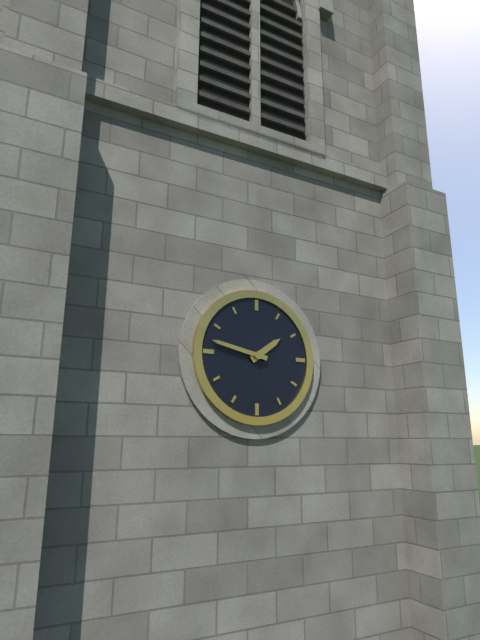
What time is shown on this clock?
1:47
